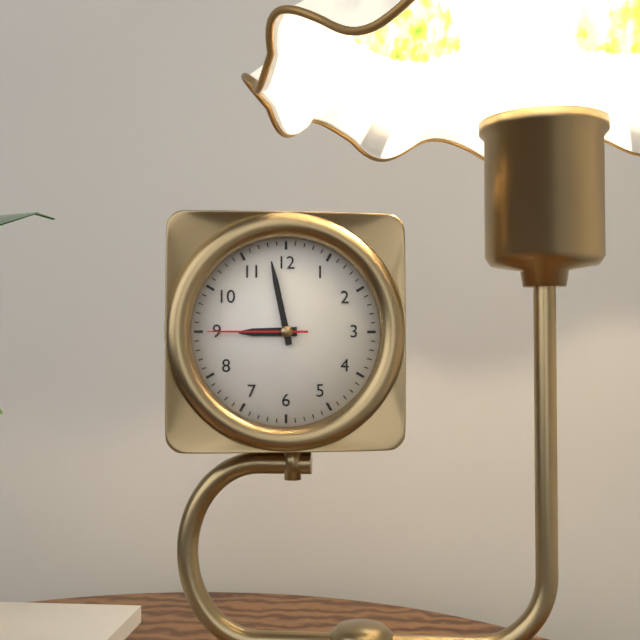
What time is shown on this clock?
8:58:45
